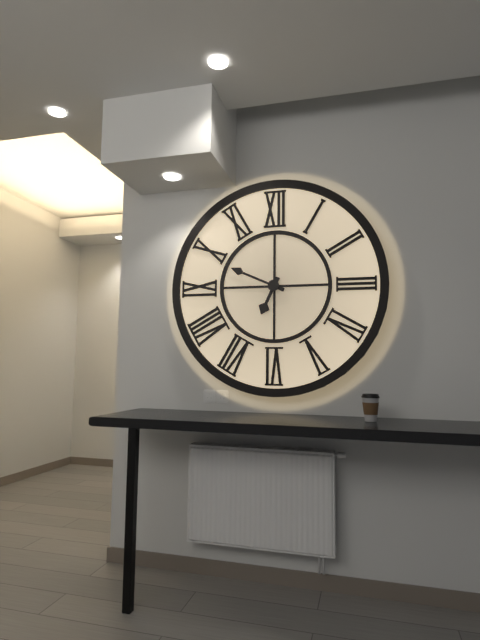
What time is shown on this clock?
6:49
